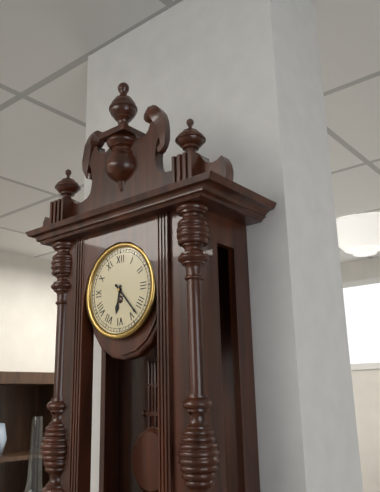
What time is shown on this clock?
6:23
